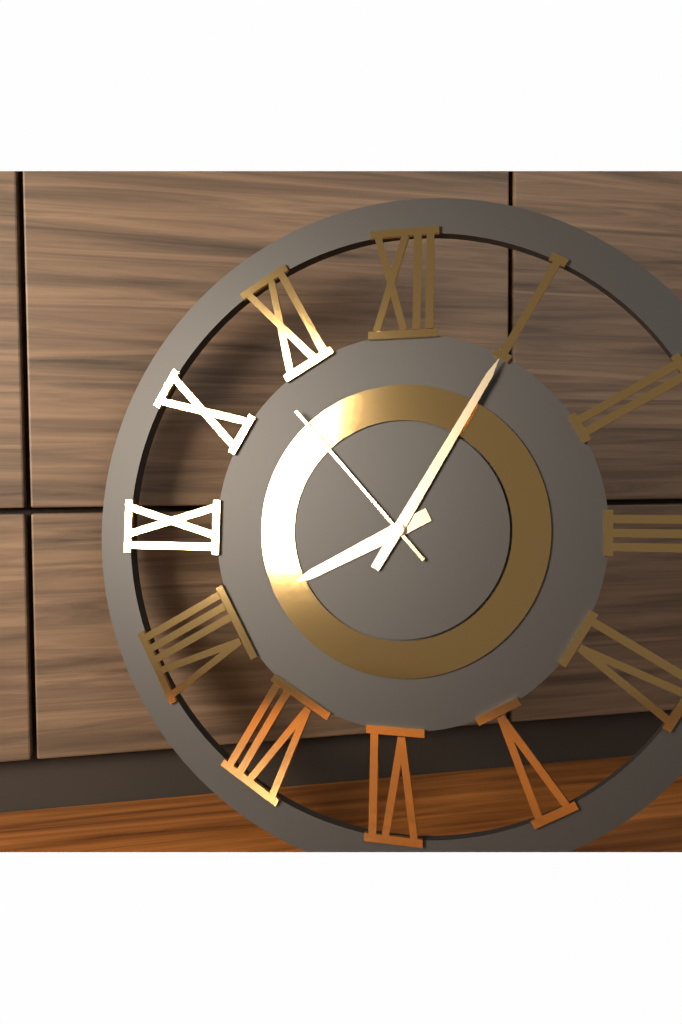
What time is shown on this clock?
8:05:53
